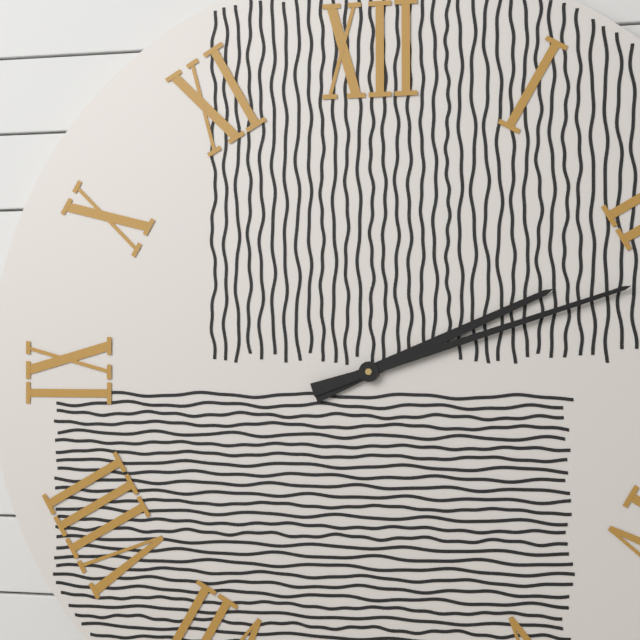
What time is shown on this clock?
2:12
